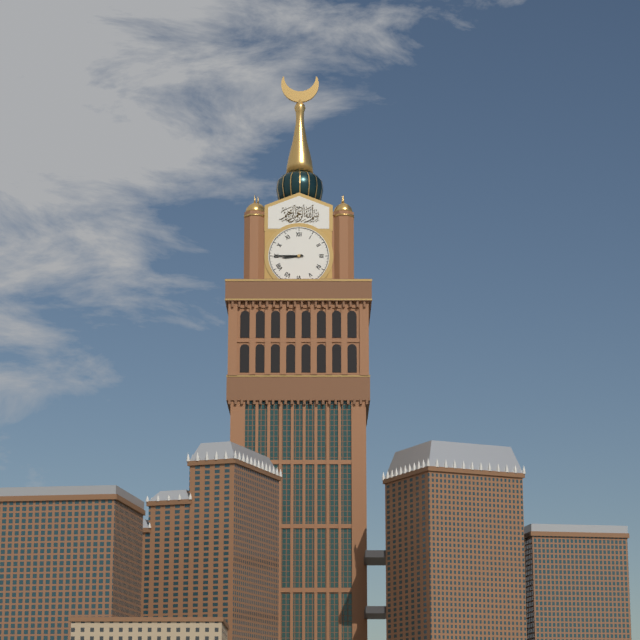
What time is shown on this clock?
8:45
